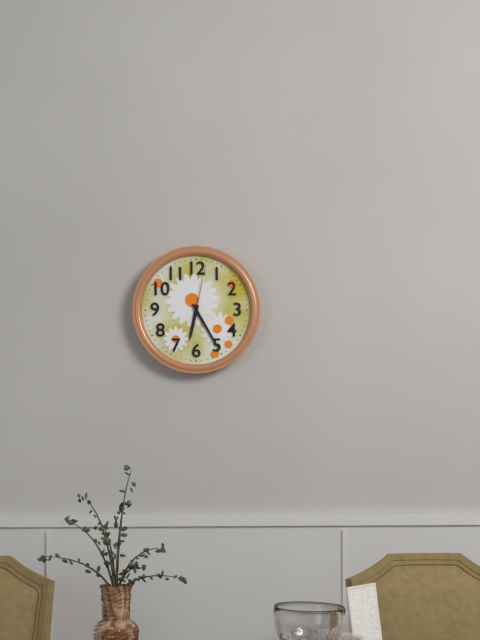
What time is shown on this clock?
6:25:02
